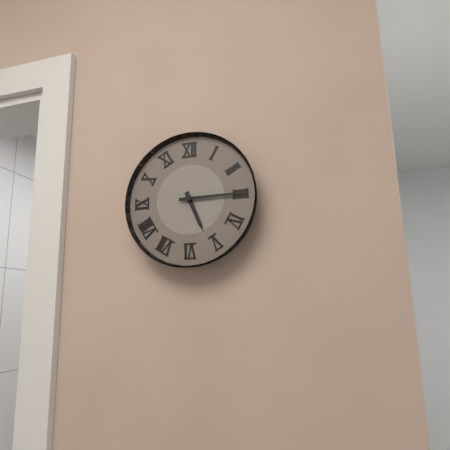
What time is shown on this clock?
5:15
